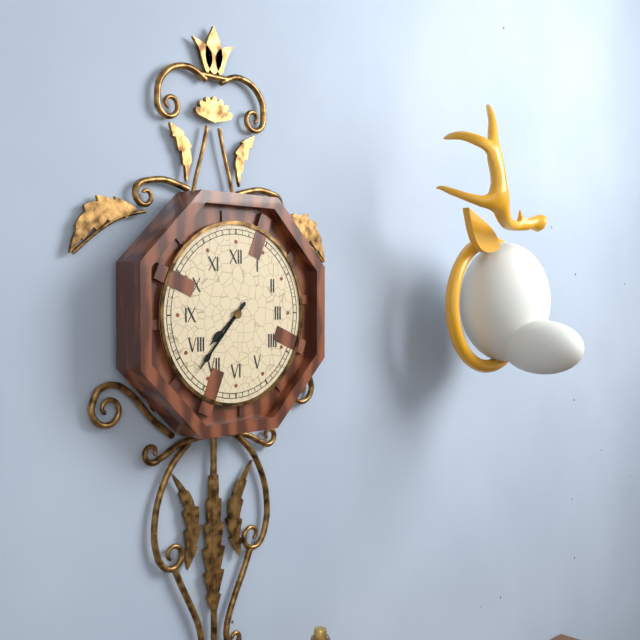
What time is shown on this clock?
7:37
